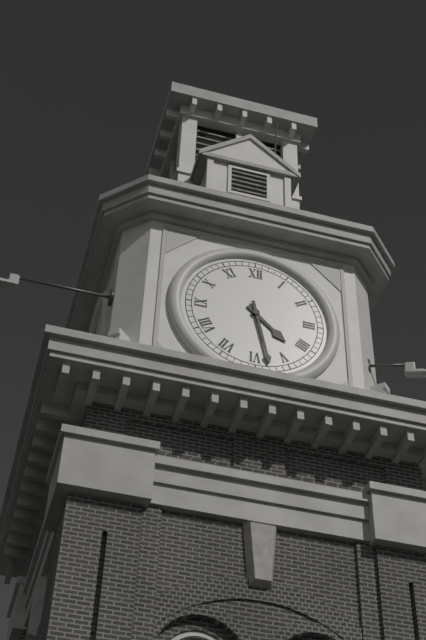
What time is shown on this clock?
4:28
